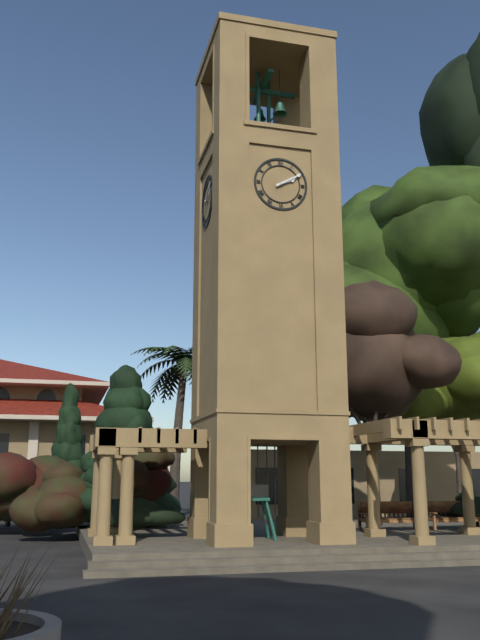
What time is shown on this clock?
2:10
